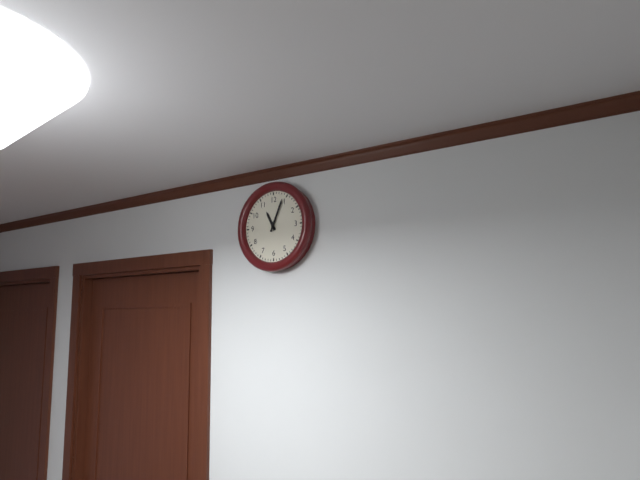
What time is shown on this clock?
11:04
